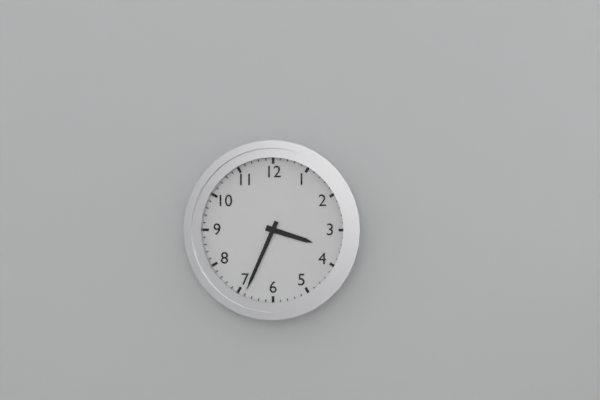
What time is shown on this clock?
3:34
